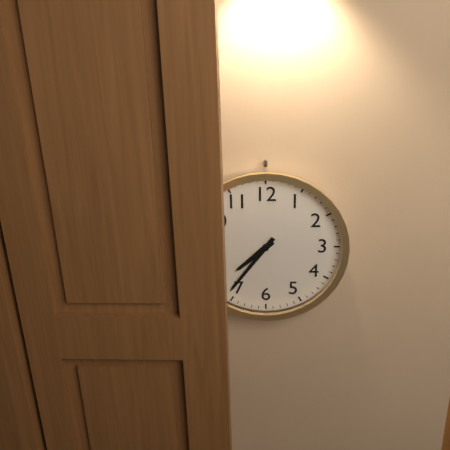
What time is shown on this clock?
7:36
